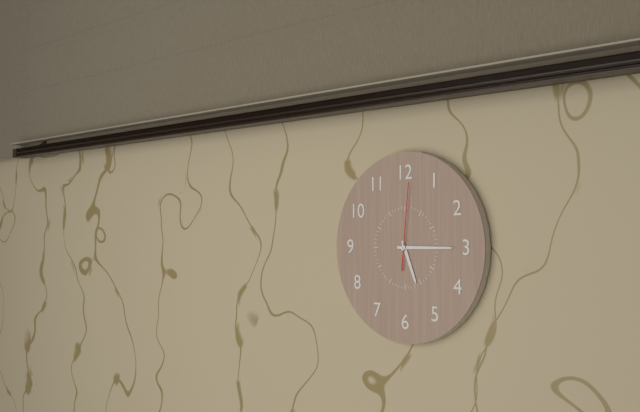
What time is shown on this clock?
5:15:01
